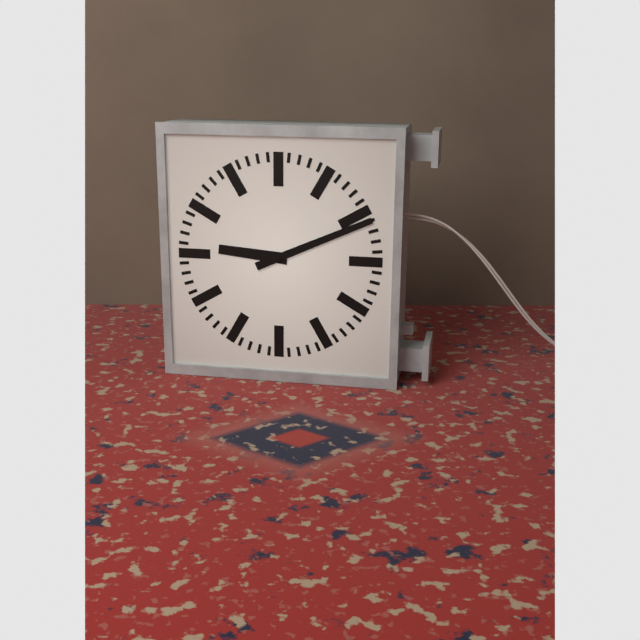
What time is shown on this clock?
9:11
